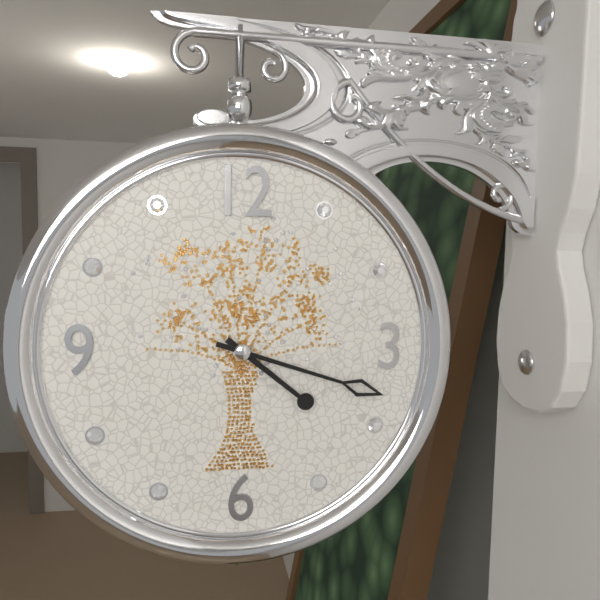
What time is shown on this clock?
4:18
